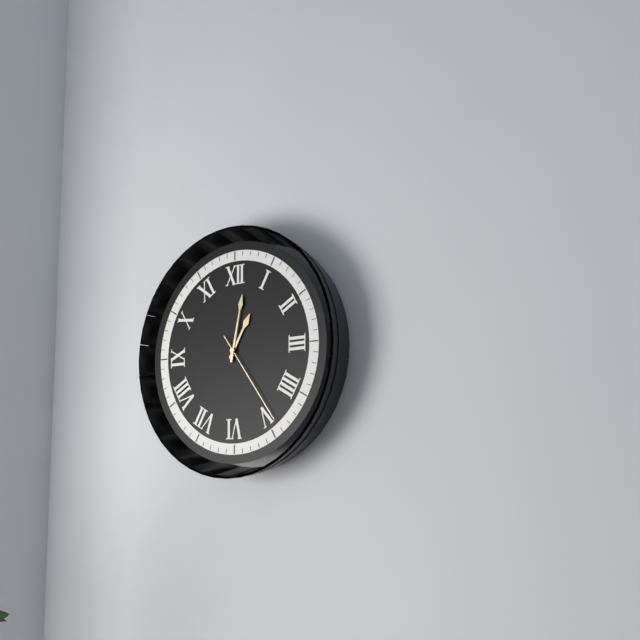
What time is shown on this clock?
1:02:24
